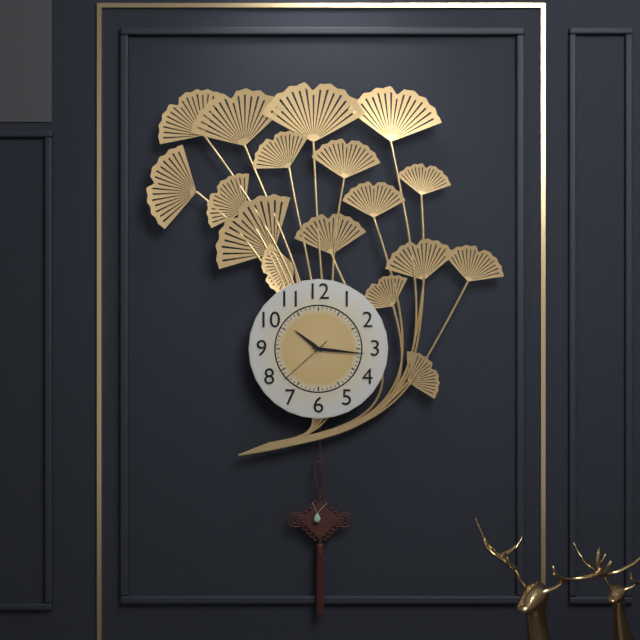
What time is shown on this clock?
10:16:38
